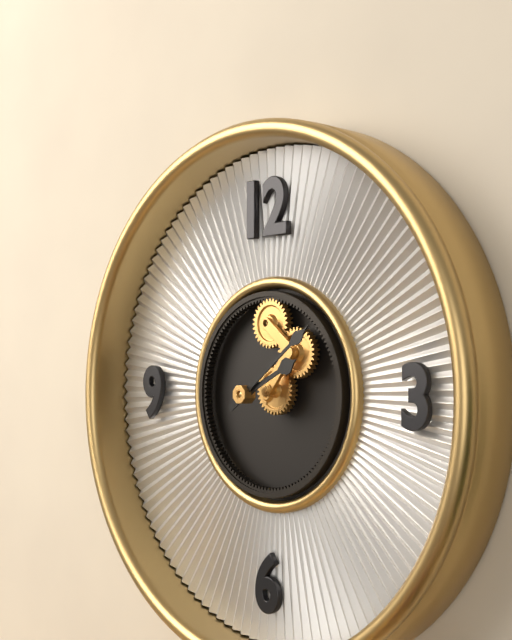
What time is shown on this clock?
2:09
